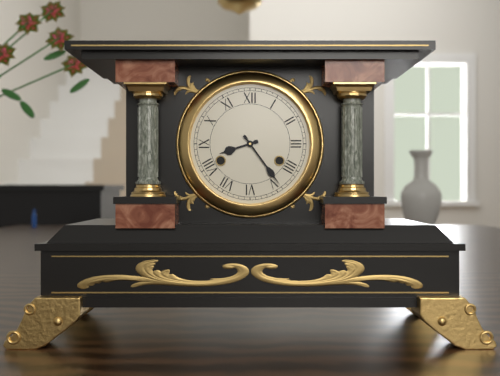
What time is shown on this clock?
8:24
